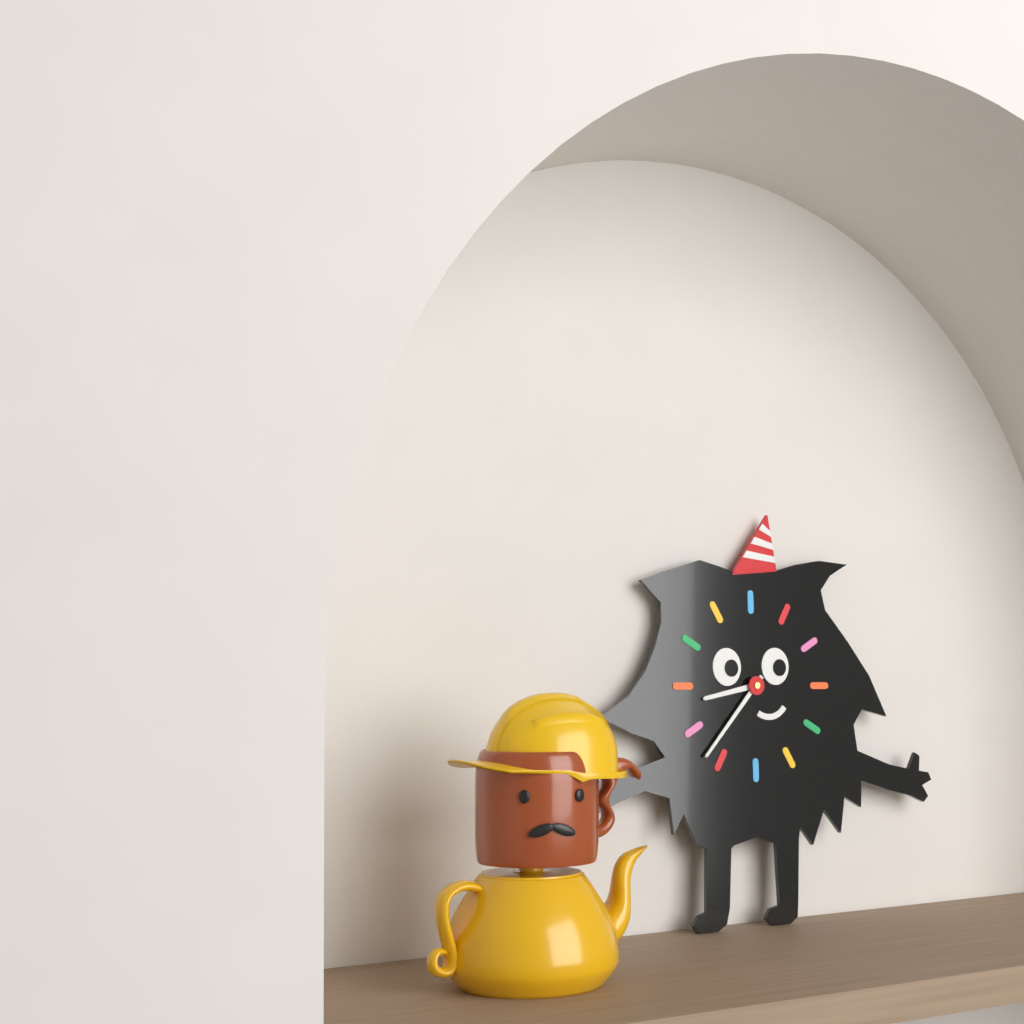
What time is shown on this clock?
8:37
